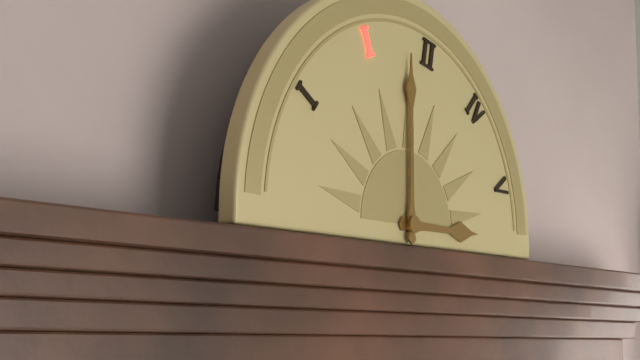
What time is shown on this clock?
3:00
